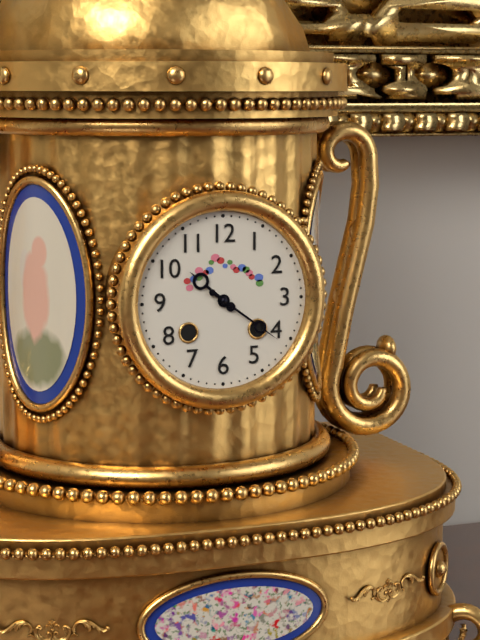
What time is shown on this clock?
10:21
